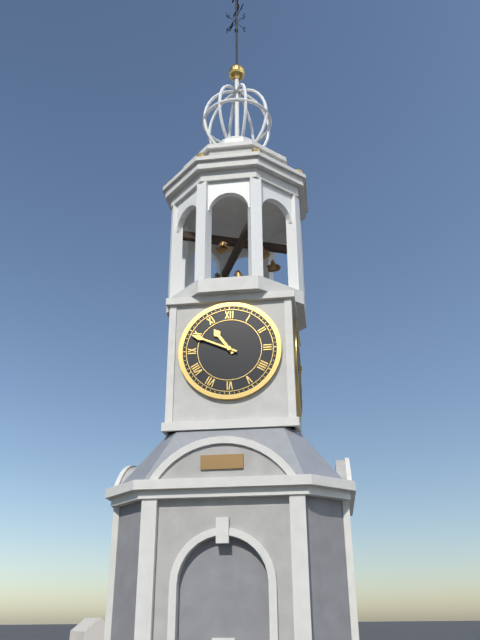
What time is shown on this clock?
10:49
